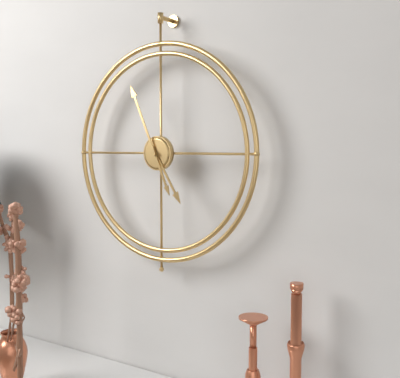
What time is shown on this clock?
4:56
